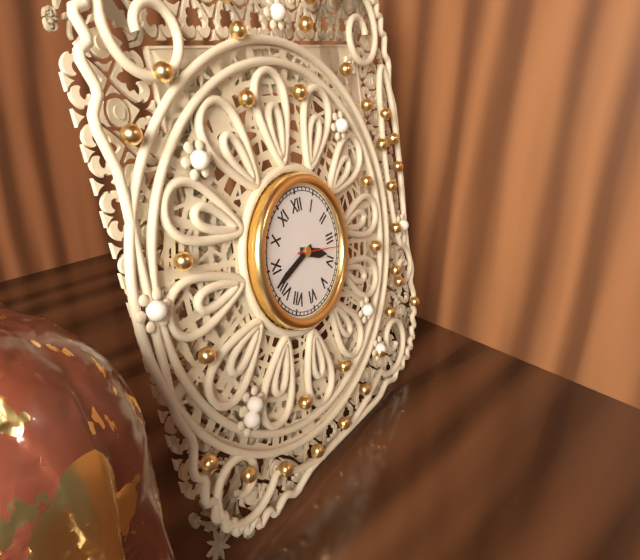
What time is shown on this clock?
3:42:17
